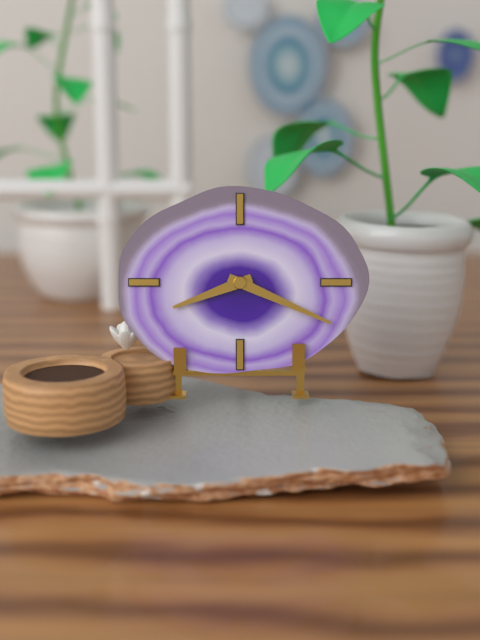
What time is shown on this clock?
8:19
